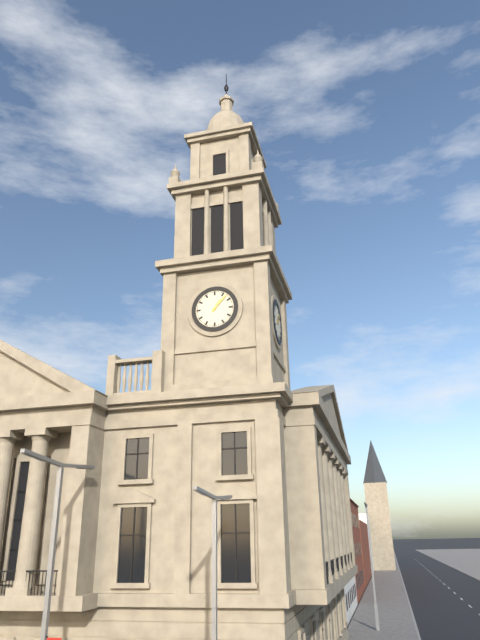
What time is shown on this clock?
1:07
